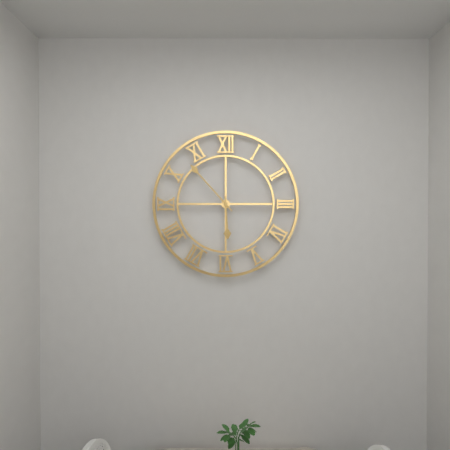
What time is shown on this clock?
5:53
